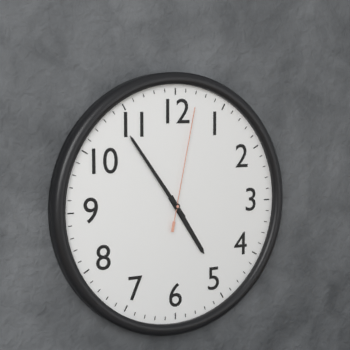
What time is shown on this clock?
4:54:02
